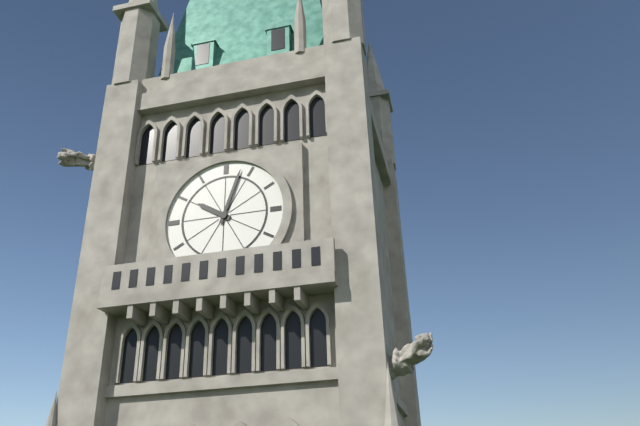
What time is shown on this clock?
10:03
